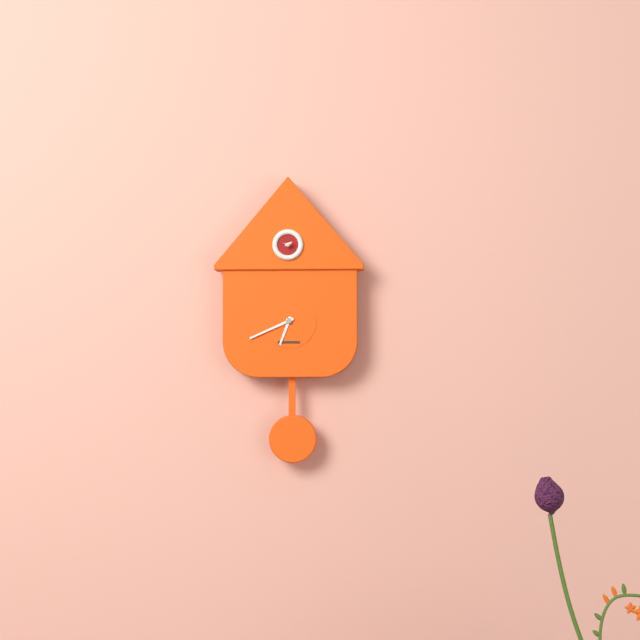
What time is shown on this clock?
6:41
